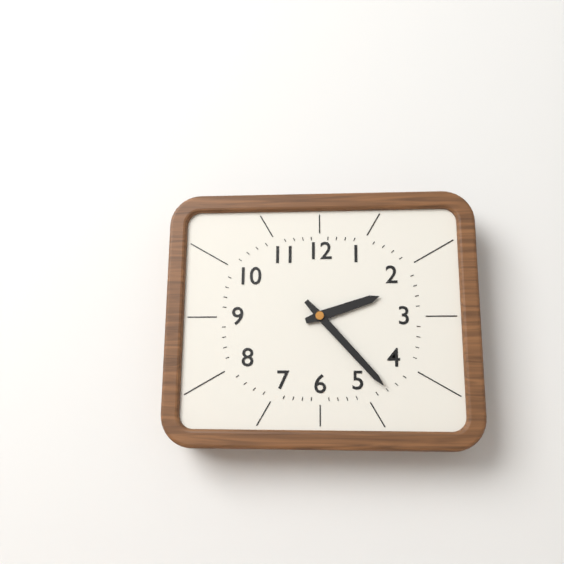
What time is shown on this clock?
2:23
